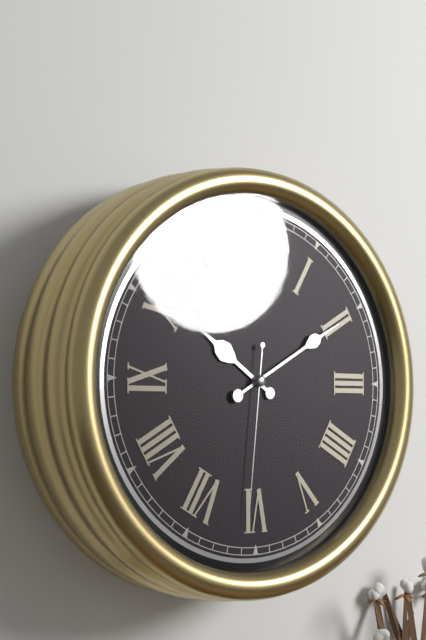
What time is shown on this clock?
10:10:31
